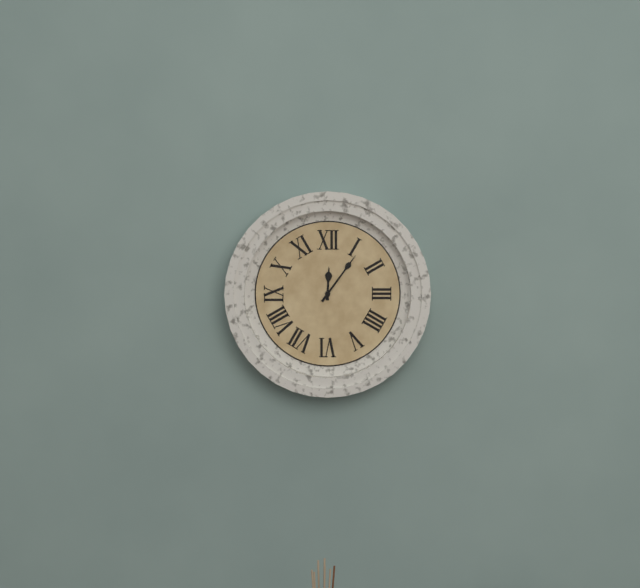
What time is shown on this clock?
12:06
